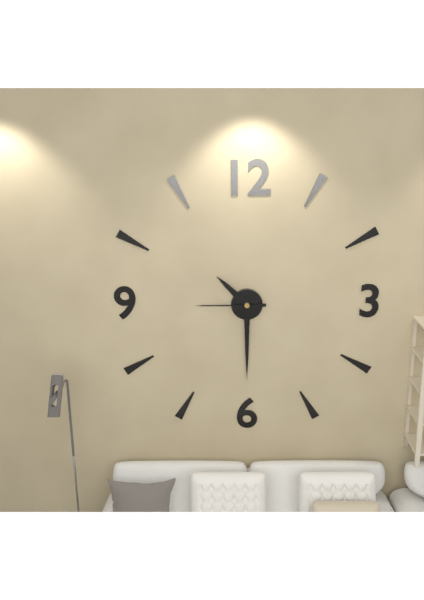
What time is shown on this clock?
10:30:45
